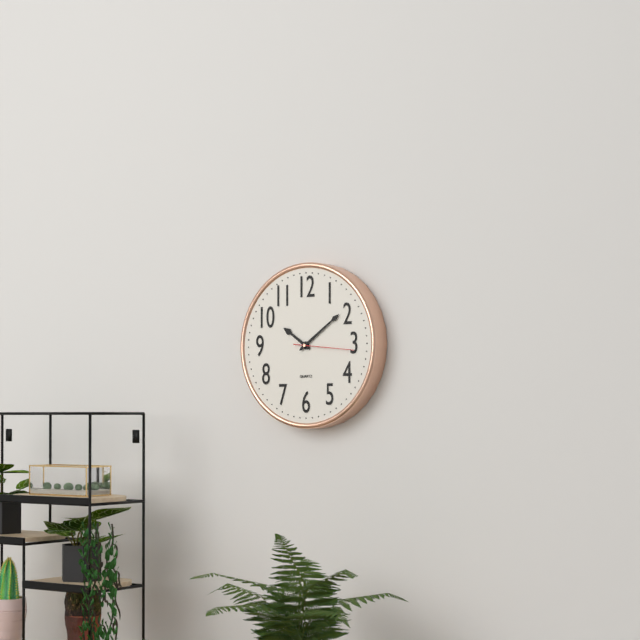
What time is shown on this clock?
10:09:16
